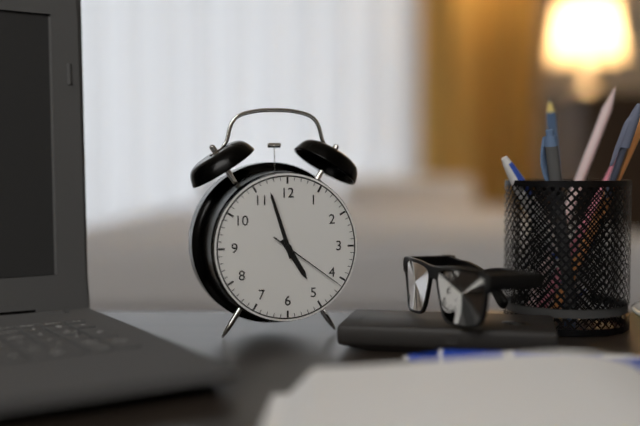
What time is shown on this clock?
4:57:21
